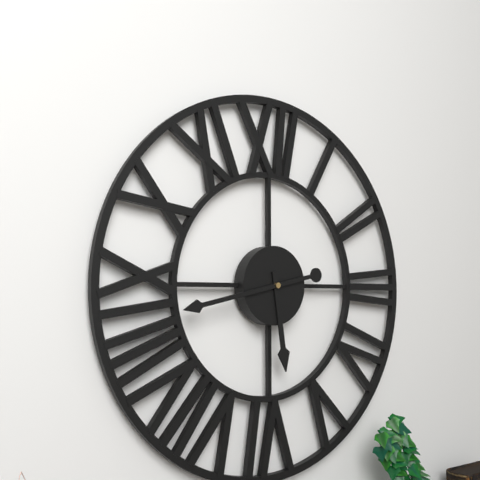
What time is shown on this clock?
5:43
